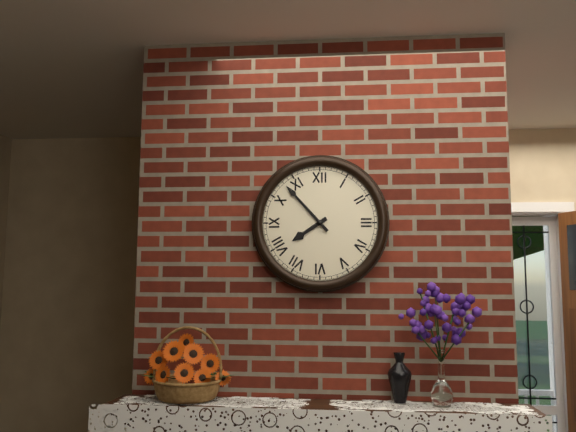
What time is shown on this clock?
7:53
